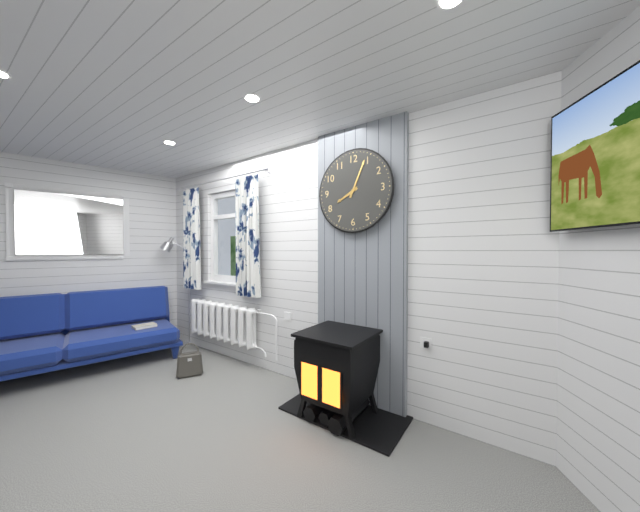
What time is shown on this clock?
8:04
